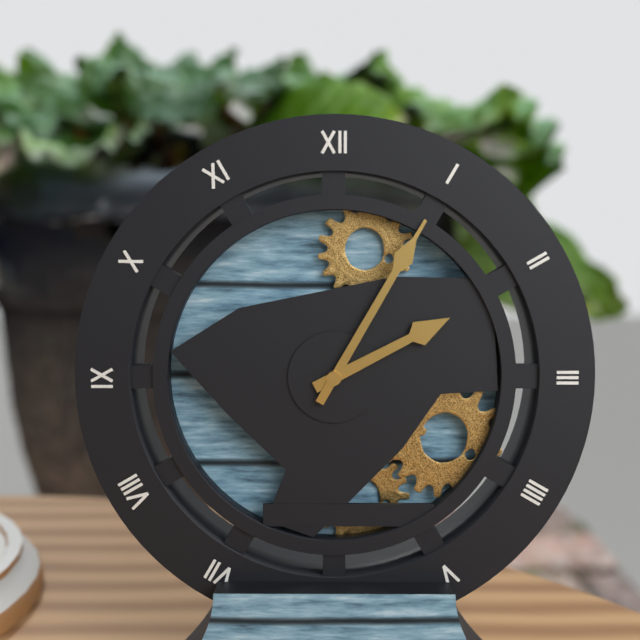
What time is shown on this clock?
2:05
